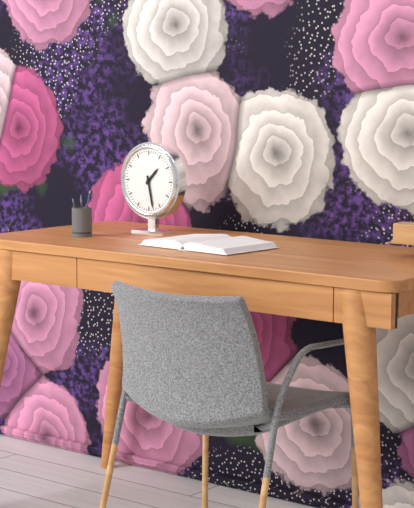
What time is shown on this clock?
1:28
